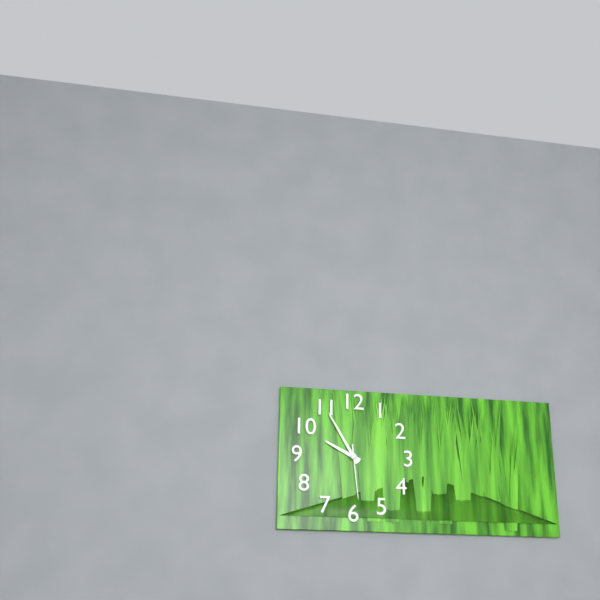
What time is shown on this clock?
9:55:29
